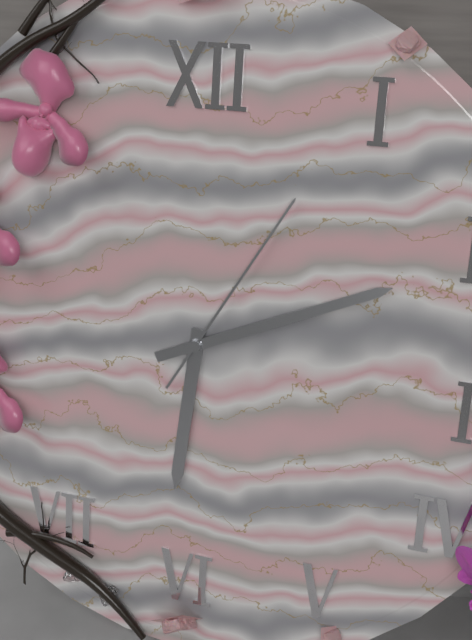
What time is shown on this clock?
6:11:05
